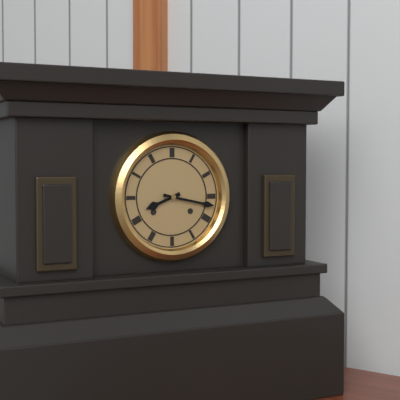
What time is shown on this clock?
8:17
